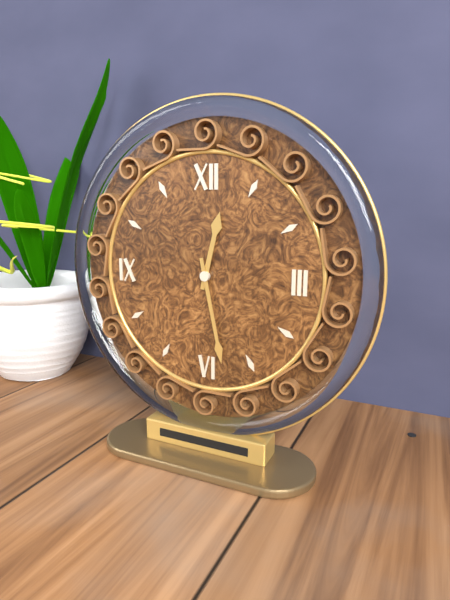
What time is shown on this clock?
12:28
